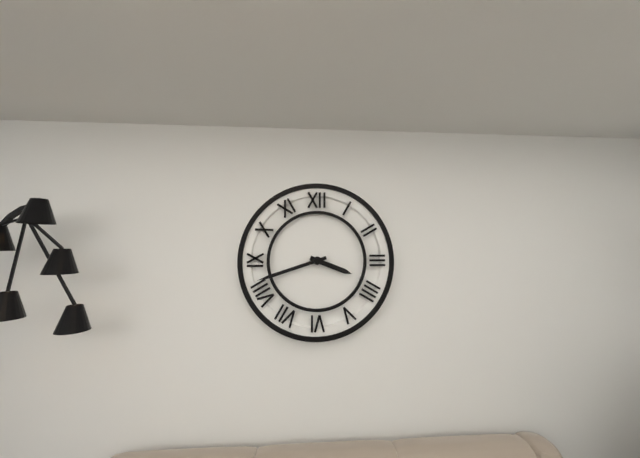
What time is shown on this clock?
3:42
